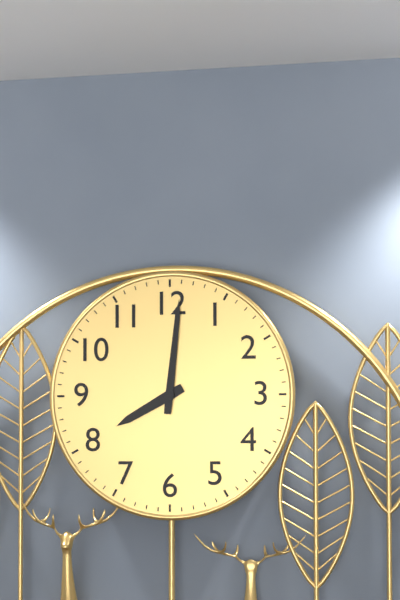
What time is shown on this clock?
8:01
